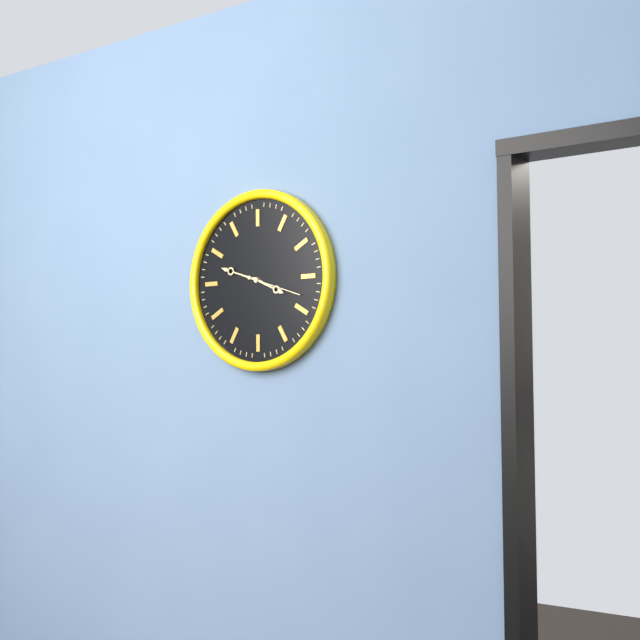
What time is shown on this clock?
3:48:18
